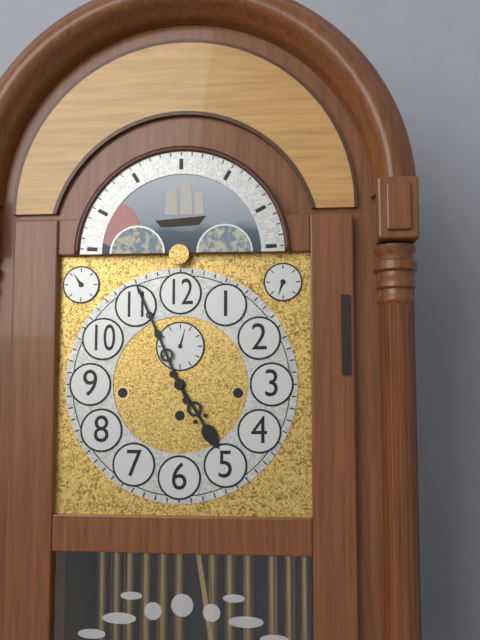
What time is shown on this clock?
4:56
